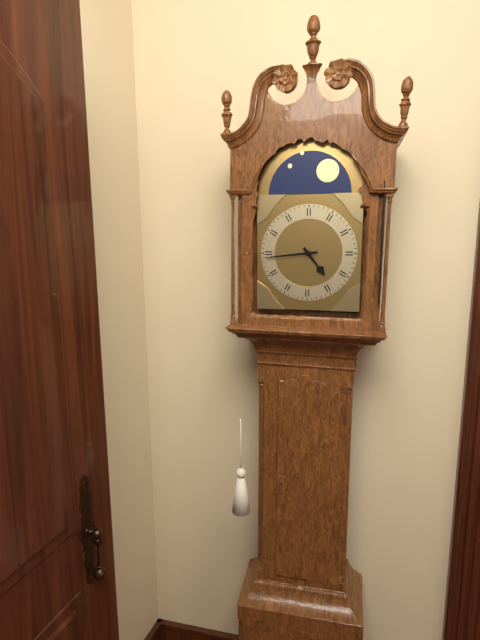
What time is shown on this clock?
4:44
